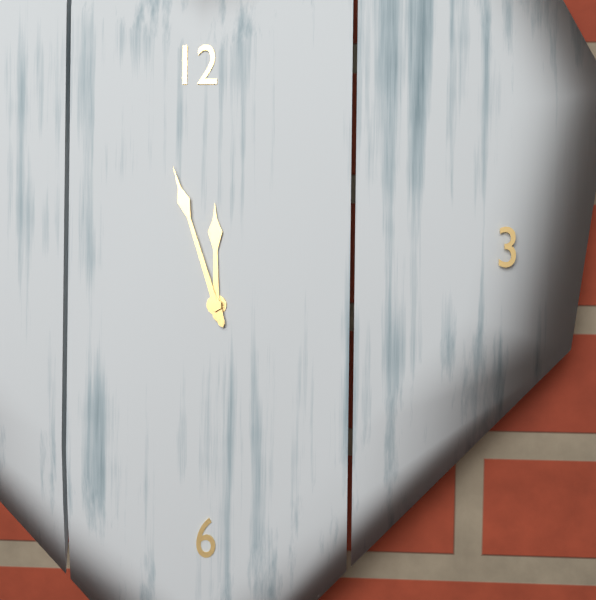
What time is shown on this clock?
11:57
